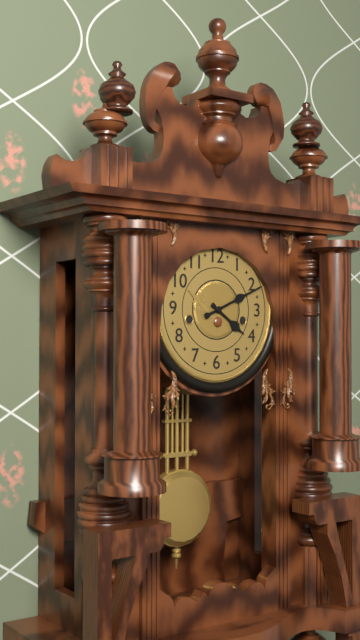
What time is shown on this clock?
4:11
